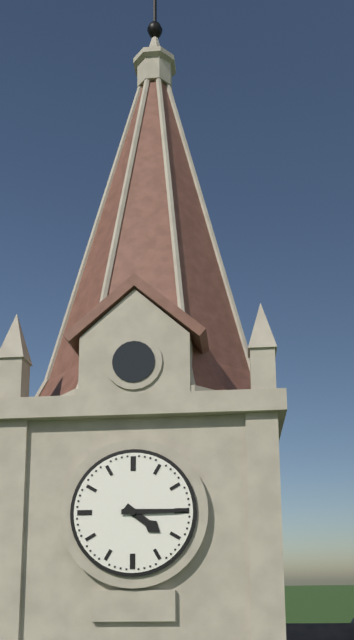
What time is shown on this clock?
4:15
